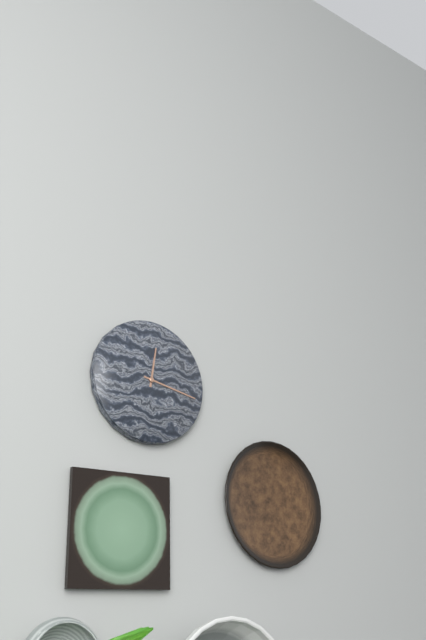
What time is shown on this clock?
12:17
